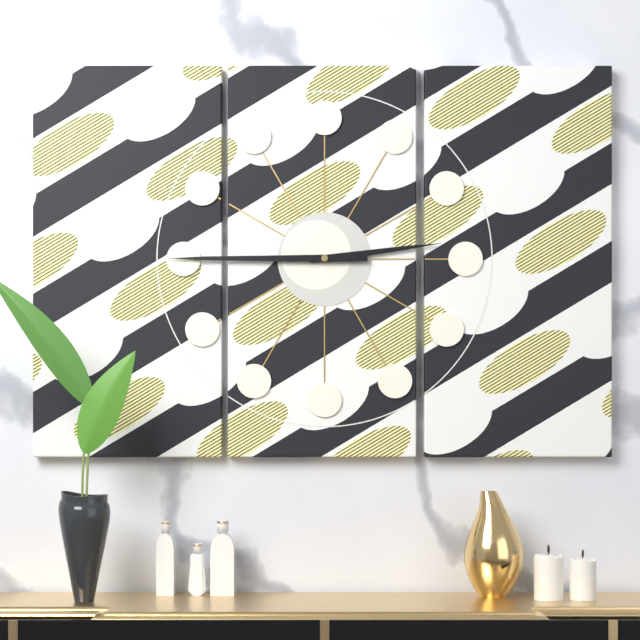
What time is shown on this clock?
2:45
